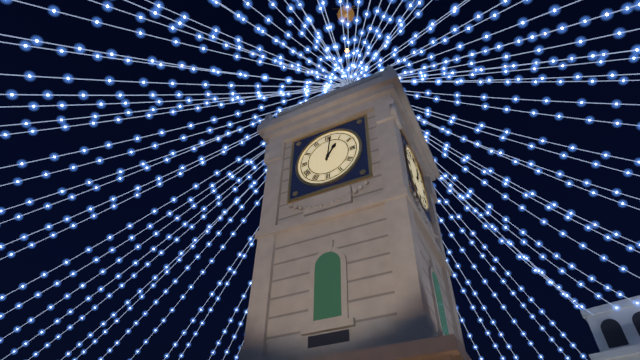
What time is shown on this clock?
1:01
